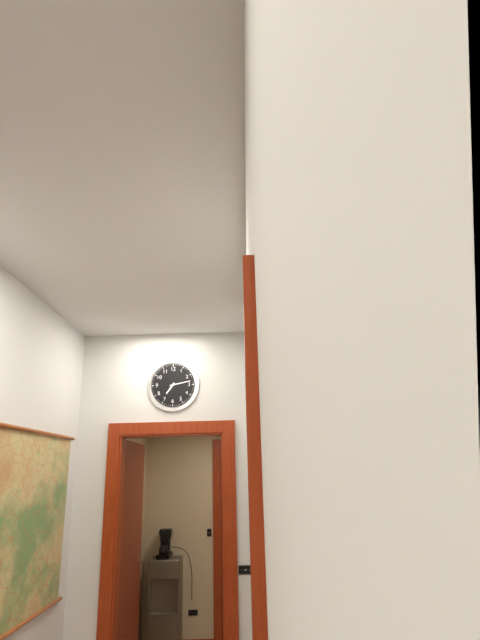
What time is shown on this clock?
7:13
